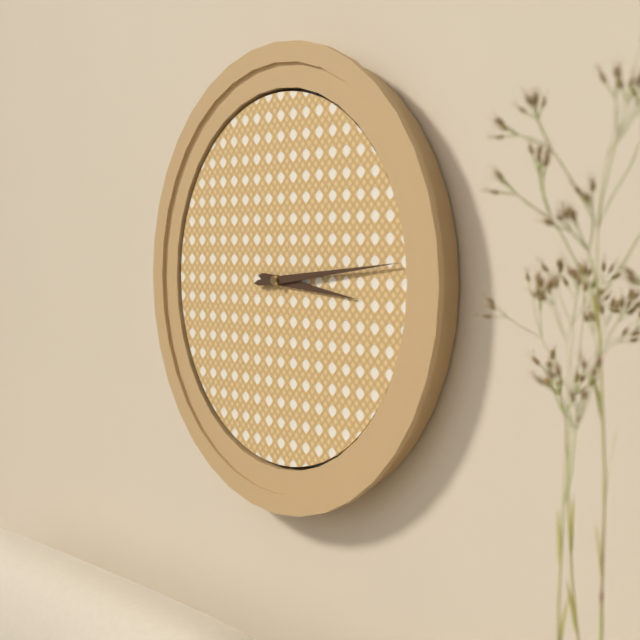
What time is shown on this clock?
3:14
